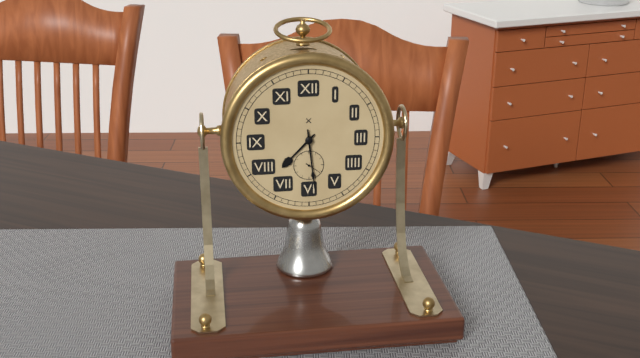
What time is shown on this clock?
7:29
